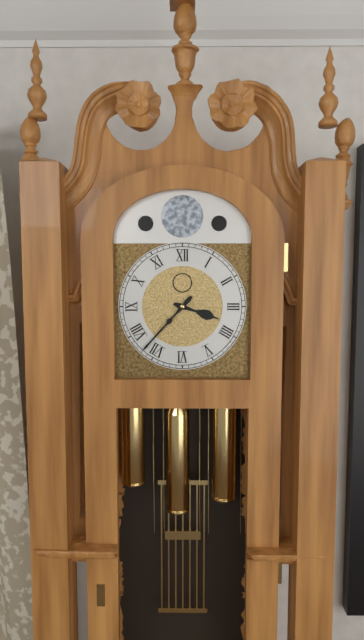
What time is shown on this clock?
3:37
